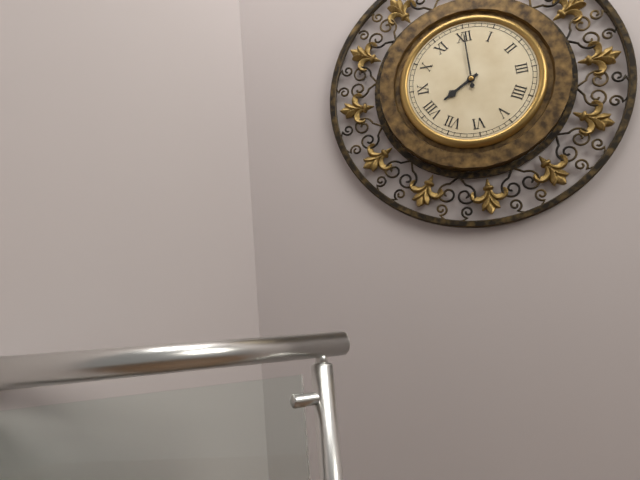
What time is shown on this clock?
8:00
